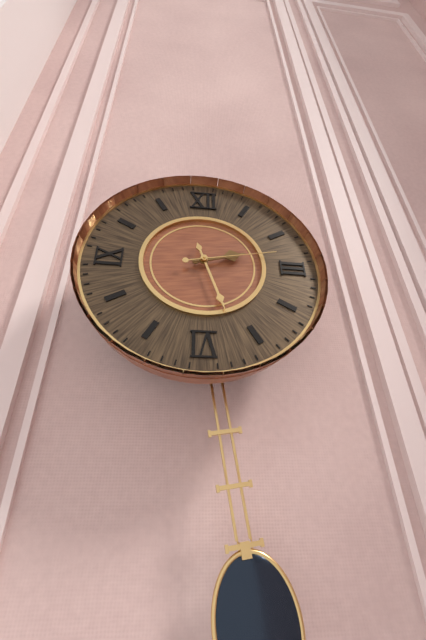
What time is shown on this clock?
2:27:13
